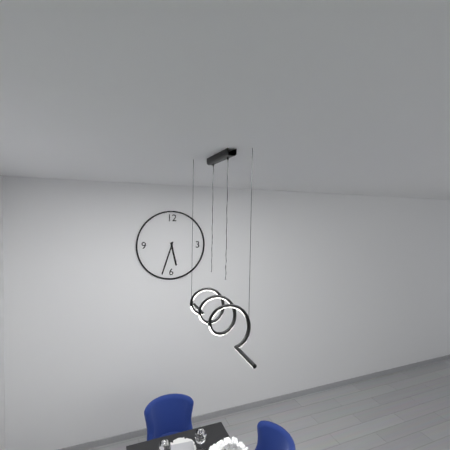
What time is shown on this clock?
5:33
